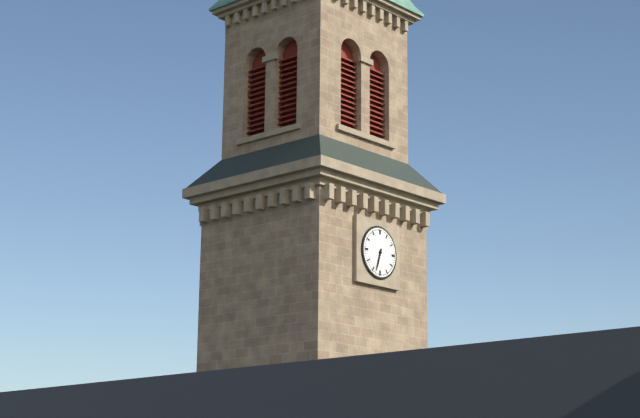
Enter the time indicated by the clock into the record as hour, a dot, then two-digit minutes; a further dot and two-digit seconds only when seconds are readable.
6.33
